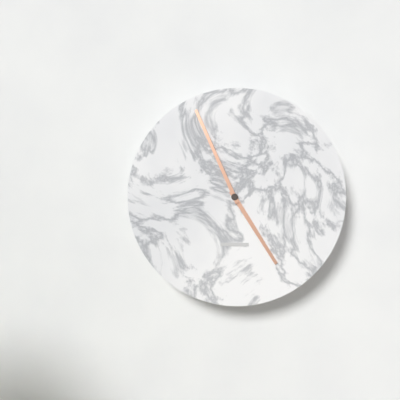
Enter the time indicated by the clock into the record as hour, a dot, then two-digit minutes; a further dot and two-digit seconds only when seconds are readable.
4.56
